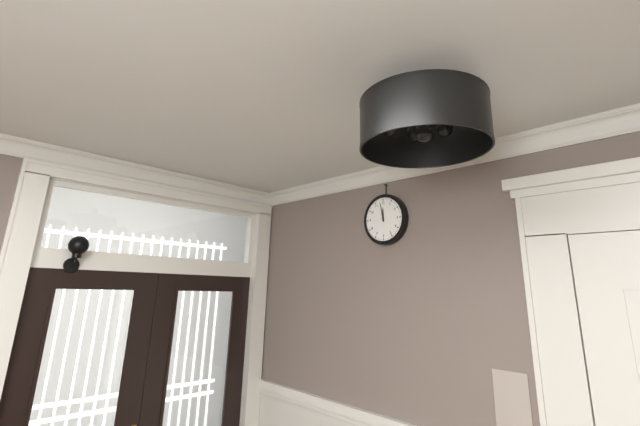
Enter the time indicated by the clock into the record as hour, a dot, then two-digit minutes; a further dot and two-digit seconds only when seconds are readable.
11.58
